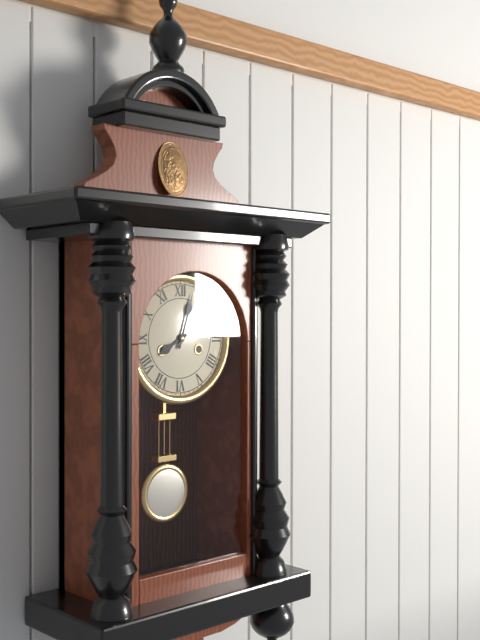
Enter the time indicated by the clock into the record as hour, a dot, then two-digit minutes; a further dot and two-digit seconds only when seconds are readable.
8.03
